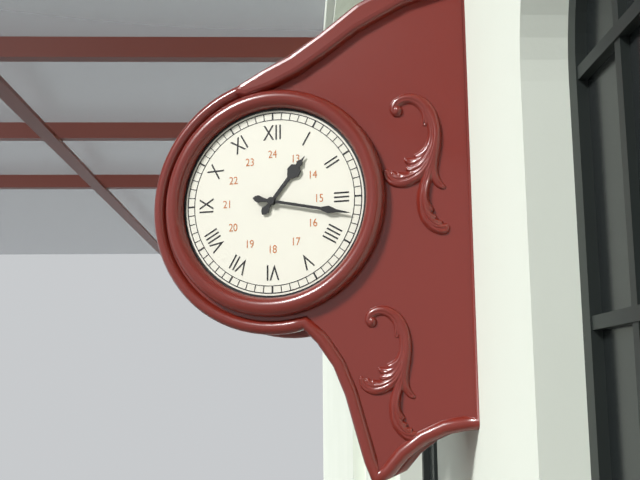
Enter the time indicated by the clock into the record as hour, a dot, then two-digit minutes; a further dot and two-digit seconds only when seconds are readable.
1.17
